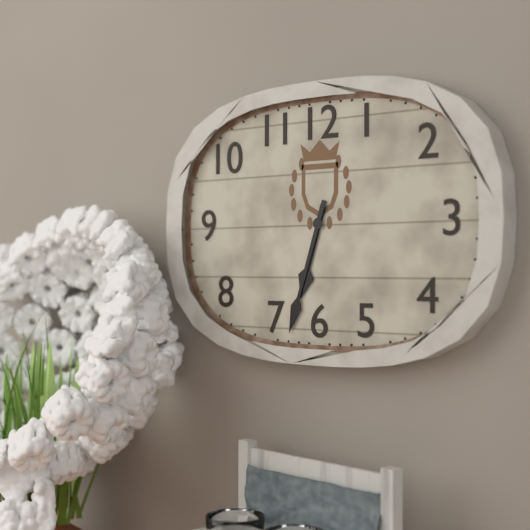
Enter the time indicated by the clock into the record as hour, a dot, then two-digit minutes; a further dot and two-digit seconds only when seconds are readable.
6.33
